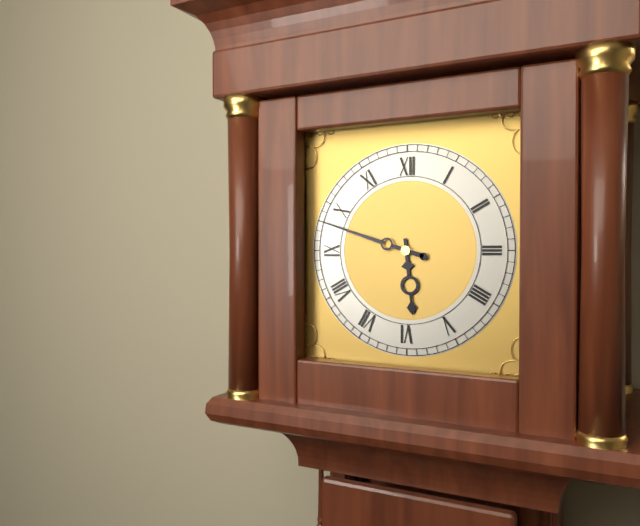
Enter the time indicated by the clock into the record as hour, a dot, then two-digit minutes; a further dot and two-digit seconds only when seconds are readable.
5.48
